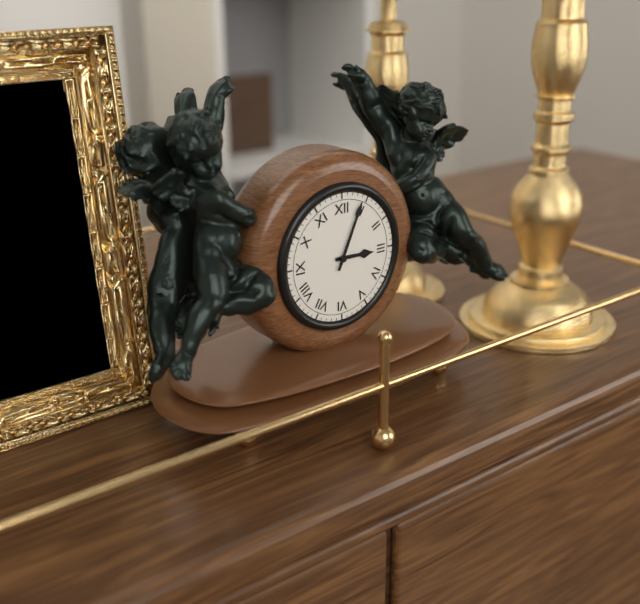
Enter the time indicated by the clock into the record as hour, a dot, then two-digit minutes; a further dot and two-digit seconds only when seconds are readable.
3.04
